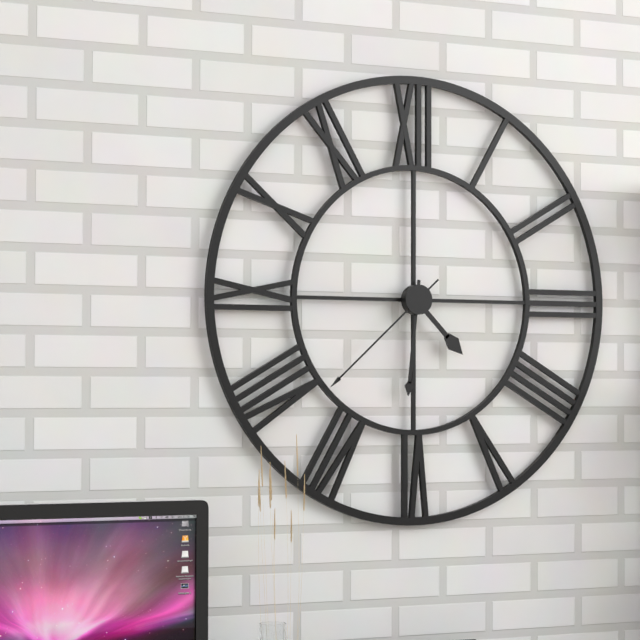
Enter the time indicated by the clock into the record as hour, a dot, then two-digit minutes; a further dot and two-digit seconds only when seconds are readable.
4.31.38
